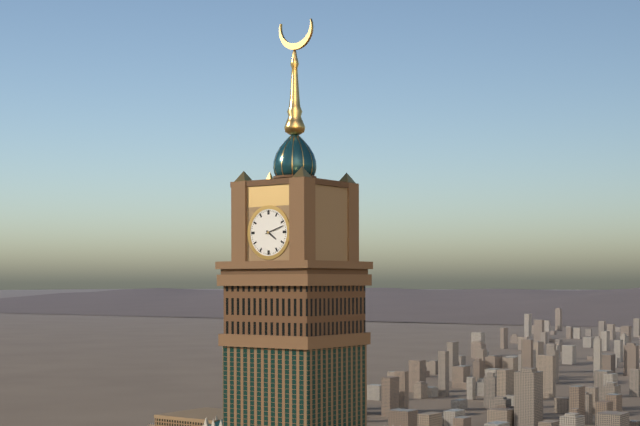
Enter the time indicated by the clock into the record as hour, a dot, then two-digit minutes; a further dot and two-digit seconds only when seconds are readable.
4.12
